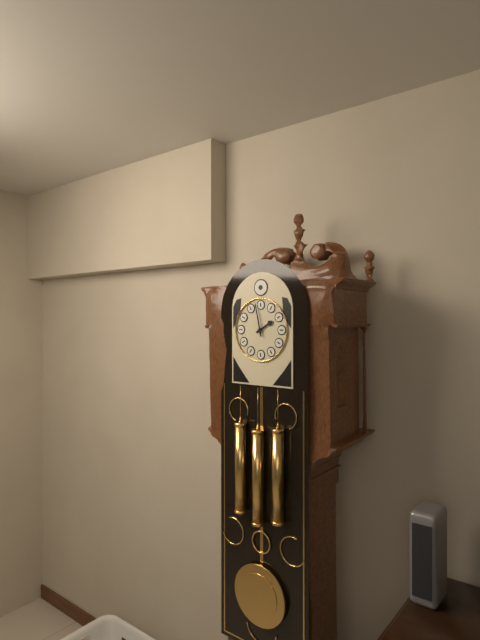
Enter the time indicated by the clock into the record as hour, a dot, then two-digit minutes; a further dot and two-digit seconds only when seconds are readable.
1.58
